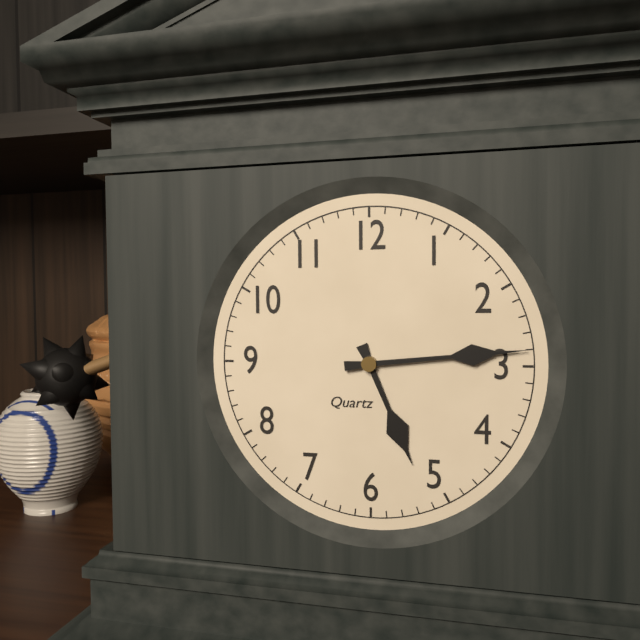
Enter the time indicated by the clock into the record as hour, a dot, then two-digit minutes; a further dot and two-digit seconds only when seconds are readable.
5.14
